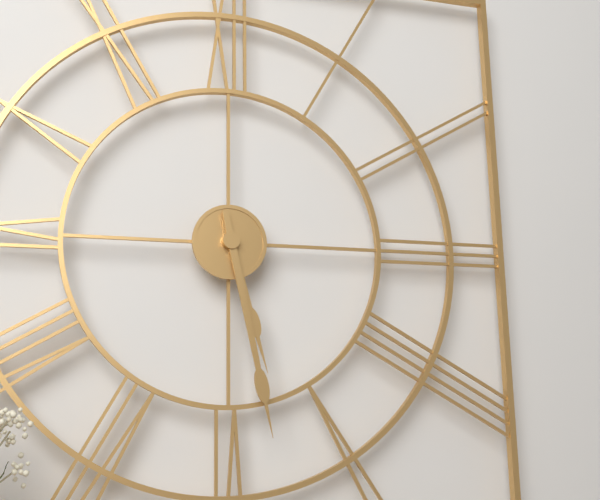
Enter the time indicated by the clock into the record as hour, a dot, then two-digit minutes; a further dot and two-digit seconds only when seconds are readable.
5.28
